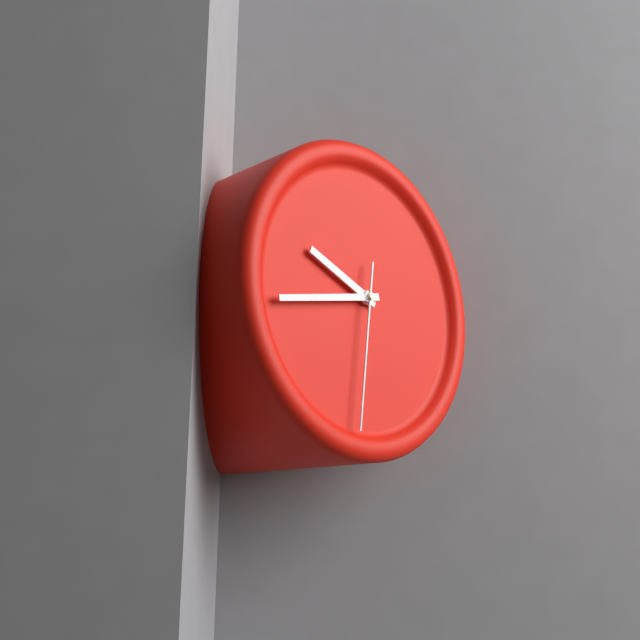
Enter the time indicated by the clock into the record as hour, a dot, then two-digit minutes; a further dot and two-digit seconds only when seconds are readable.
9.43.31
